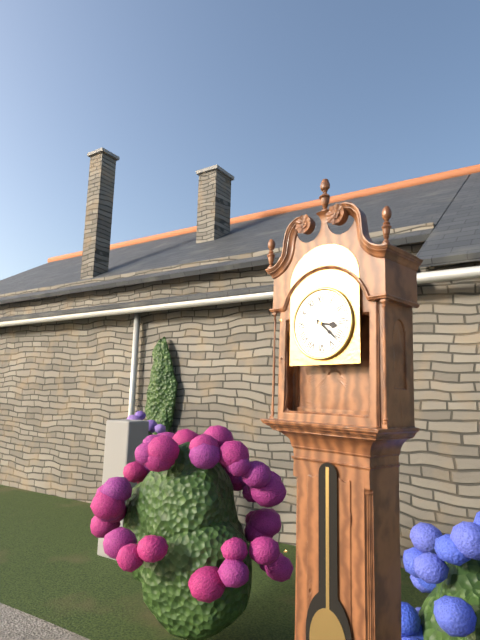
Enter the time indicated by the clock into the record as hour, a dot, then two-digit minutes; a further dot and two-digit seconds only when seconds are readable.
3.22
